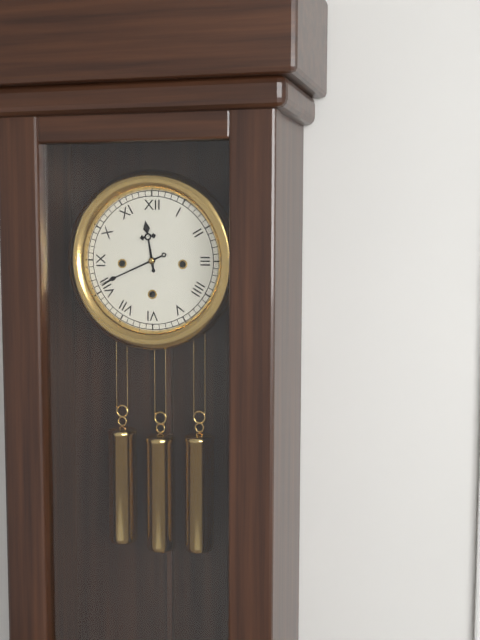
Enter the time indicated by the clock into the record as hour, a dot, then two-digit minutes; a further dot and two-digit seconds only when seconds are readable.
11.41
